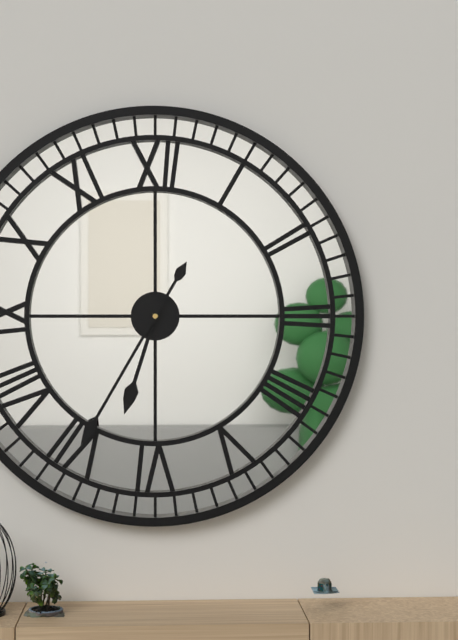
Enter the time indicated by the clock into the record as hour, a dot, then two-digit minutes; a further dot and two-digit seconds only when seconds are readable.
6.35
